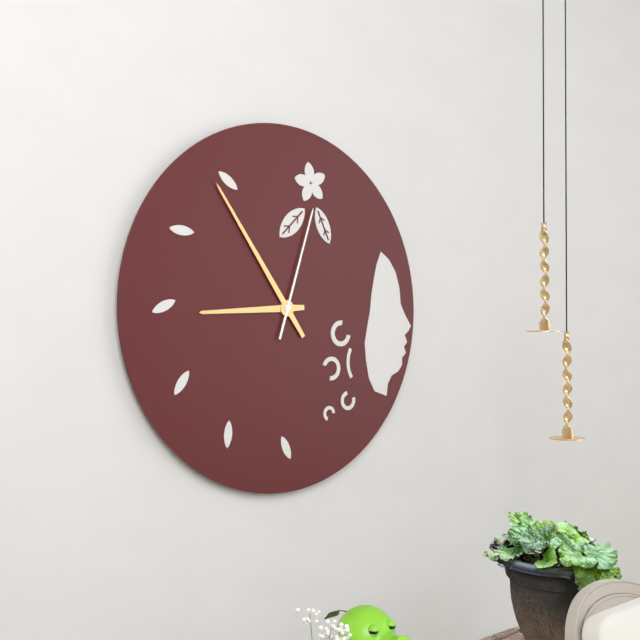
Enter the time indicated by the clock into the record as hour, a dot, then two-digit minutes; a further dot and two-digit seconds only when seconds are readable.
8.54.03
